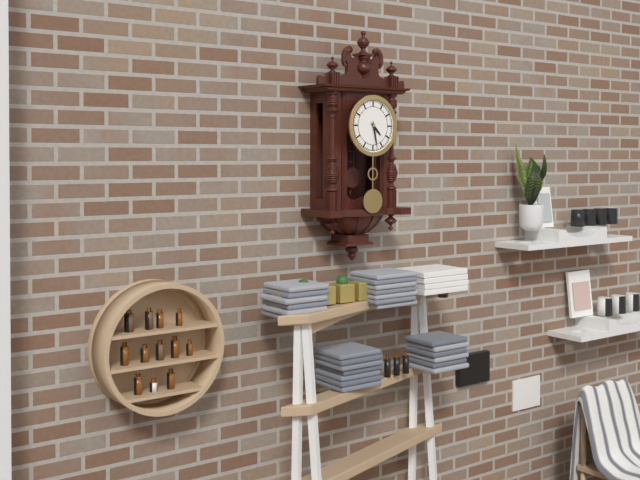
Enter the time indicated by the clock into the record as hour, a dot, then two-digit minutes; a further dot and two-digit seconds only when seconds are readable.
4.28
